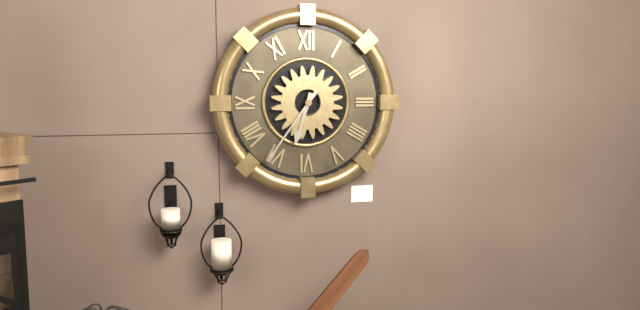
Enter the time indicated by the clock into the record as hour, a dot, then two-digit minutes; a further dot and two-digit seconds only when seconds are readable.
6.36
